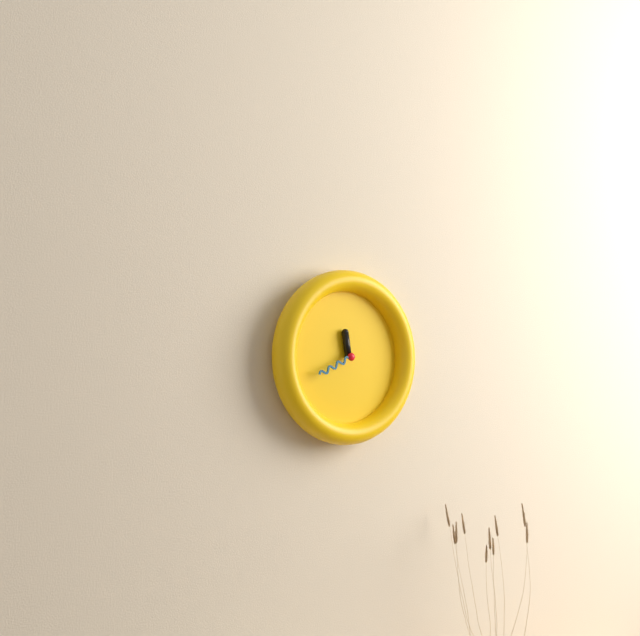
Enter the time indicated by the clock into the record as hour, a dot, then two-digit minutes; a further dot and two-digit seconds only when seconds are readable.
11.41
